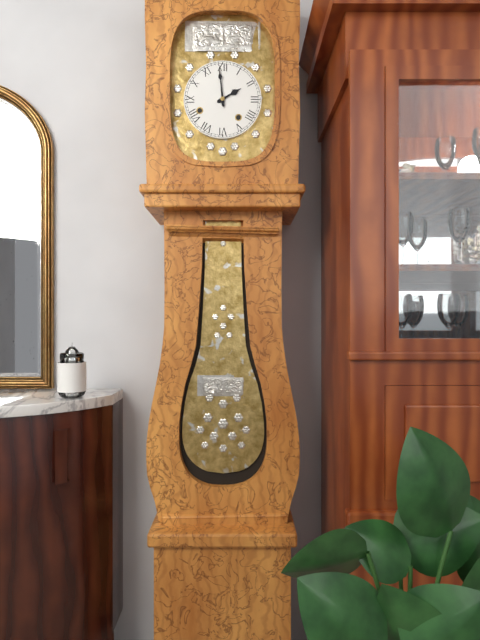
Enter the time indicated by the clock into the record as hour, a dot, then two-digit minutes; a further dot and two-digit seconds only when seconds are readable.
1.59
